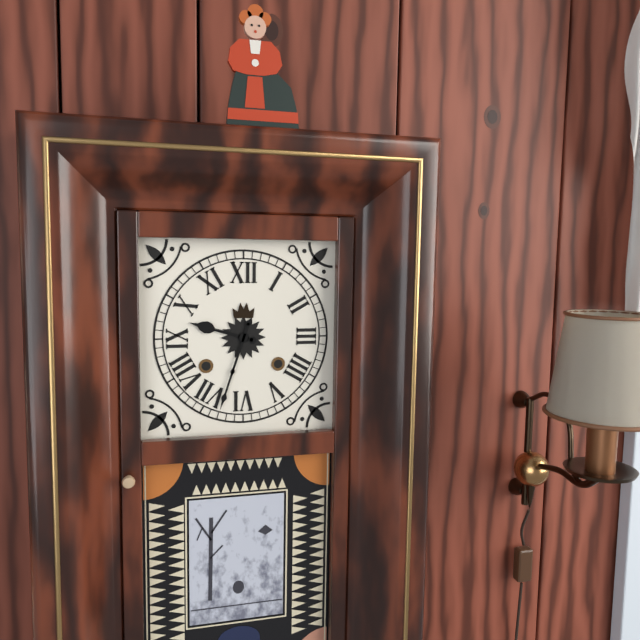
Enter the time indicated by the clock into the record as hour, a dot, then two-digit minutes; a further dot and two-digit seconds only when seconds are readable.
9.33
